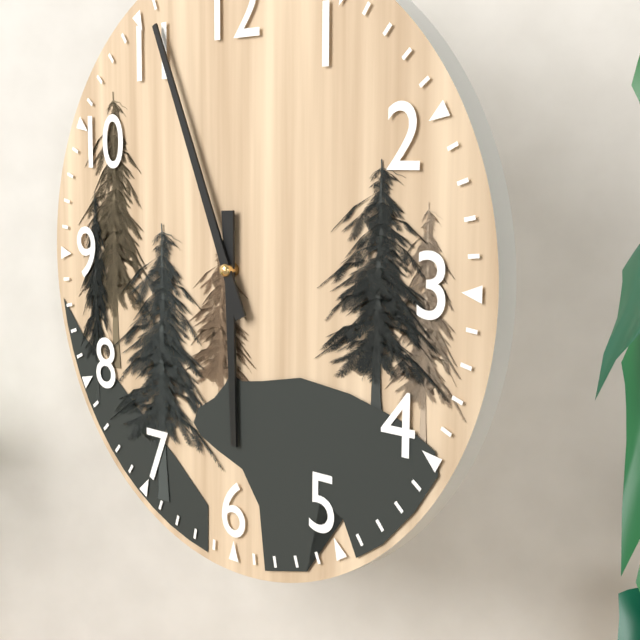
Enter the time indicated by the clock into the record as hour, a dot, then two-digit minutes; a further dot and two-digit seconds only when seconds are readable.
5.56
